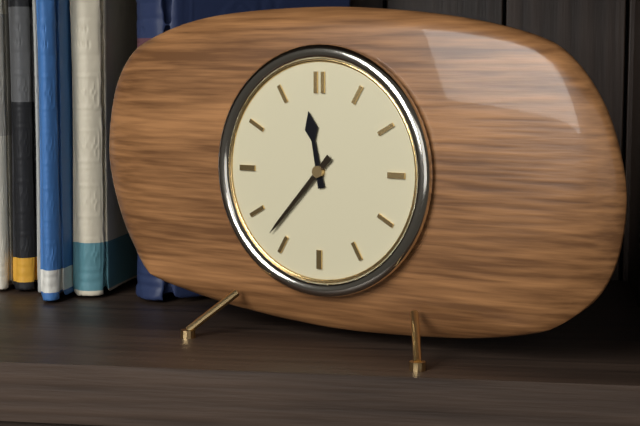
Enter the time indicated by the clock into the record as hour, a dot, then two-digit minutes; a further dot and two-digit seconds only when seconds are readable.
11.37
